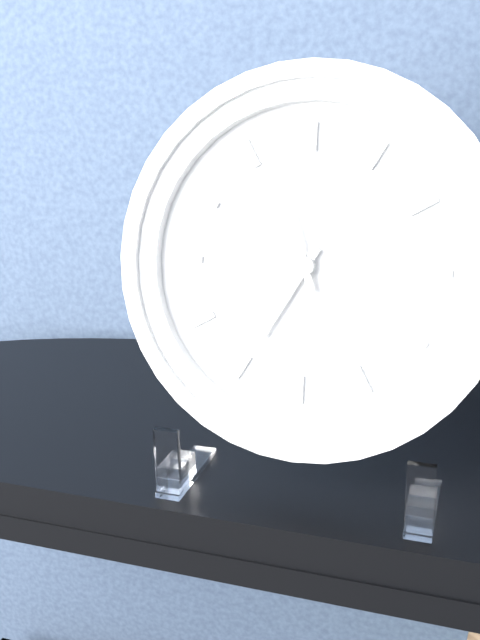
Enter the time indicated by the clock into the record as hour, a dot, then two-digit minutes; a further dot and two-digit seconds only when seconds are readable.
6.57
